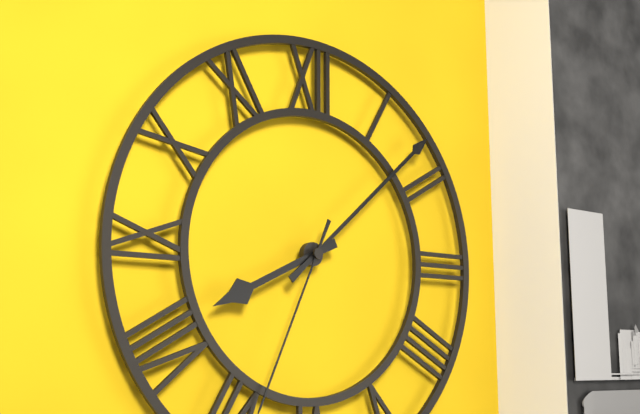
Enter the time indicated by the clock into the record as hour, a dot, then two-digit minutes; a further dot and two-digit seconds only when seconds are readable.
8.08
